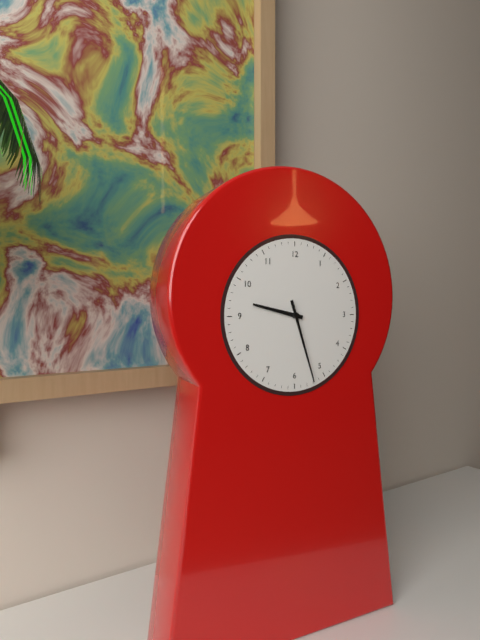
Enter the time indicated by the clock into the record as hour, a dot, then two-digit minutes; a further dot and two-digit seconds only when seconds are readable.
9.27
